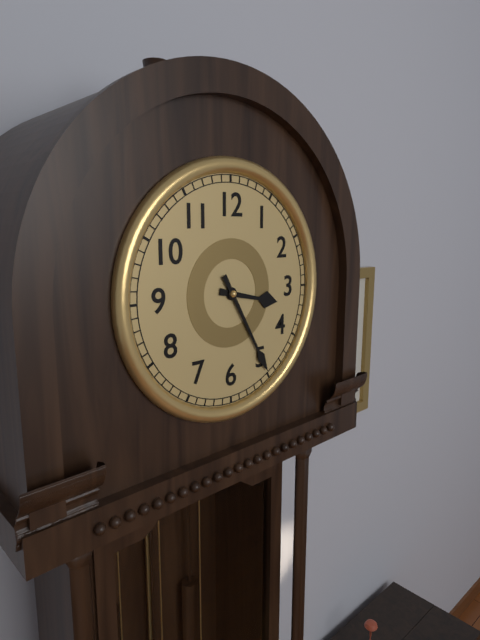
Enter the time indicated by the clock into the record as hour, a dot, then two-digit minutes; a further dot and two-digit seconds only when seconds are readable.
3.25
